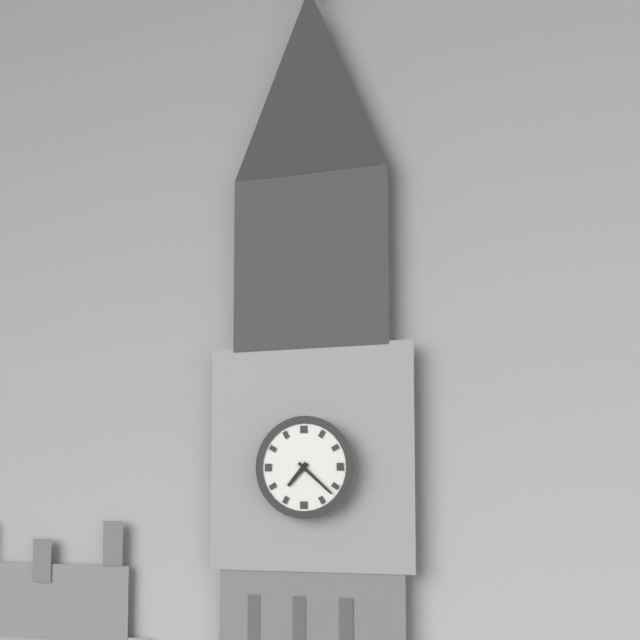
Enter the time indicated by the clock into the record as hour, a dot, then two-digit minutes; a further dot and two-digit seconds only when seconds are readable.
7.22
